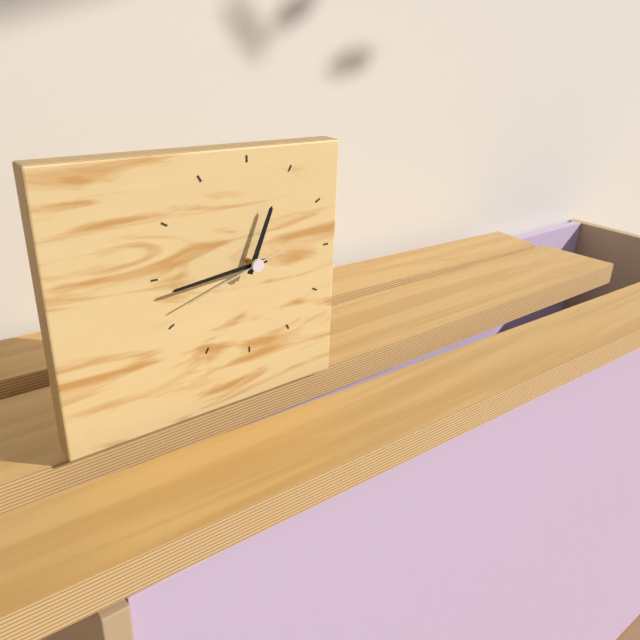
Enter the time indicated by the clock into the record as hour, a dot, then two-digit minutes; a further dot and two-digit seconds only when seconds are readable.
12.44.42
